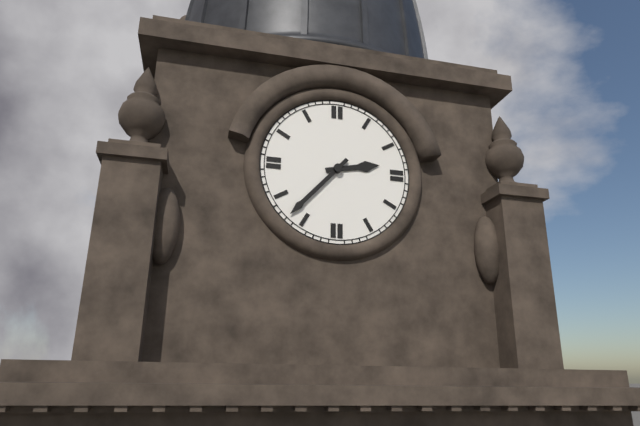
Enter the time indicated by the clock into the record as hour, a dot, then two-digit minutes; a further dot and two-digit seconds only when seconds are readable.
2.37
